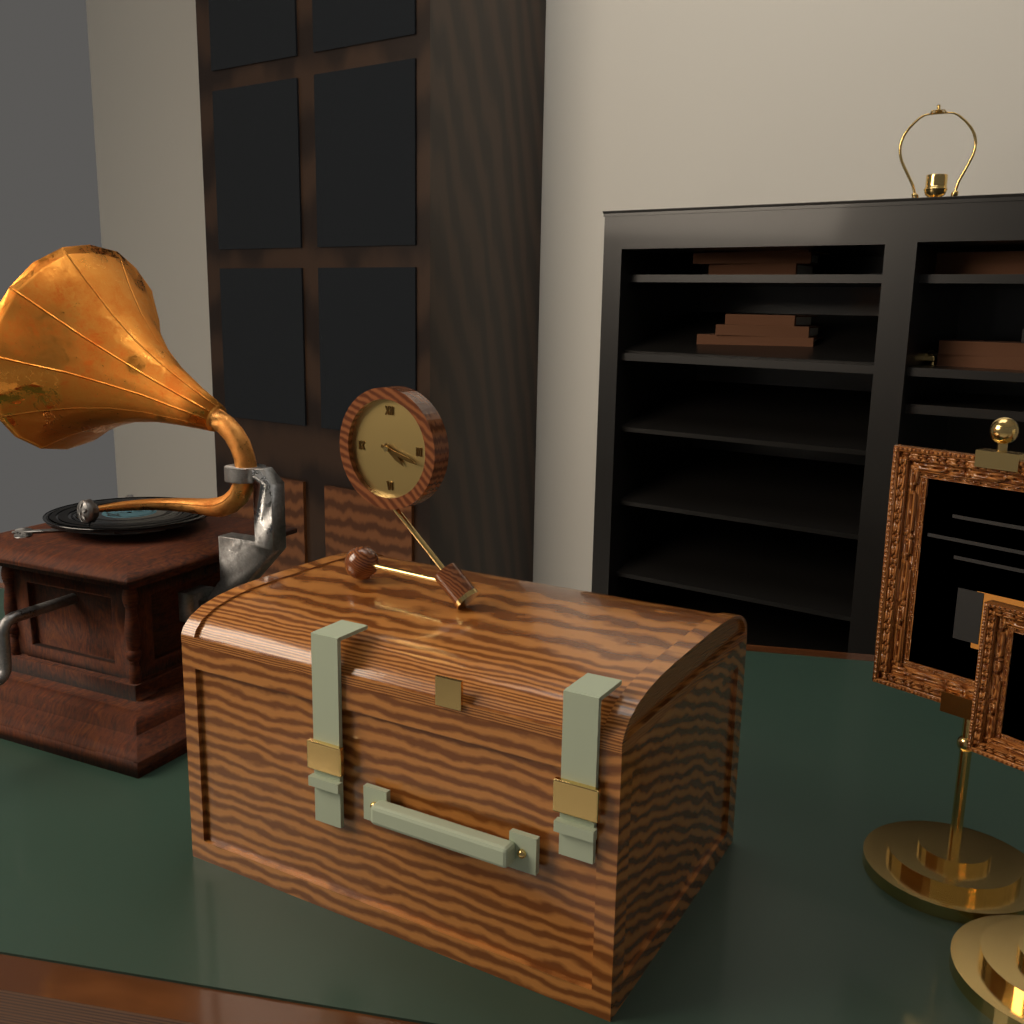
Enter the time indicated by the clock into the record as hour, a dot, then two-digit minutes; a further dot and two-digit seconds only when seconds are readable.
4.18
